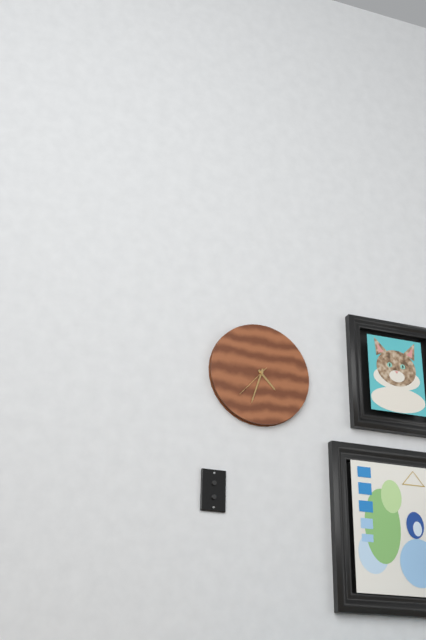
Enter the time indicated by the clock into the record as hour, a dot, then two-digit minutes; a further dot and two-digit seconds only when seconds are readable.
4.33
